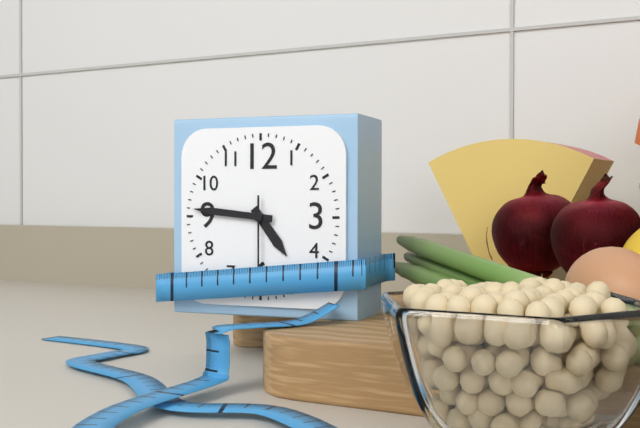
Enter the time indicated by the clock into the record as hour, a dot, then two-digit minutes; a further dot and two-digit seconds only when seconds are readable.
4.46
